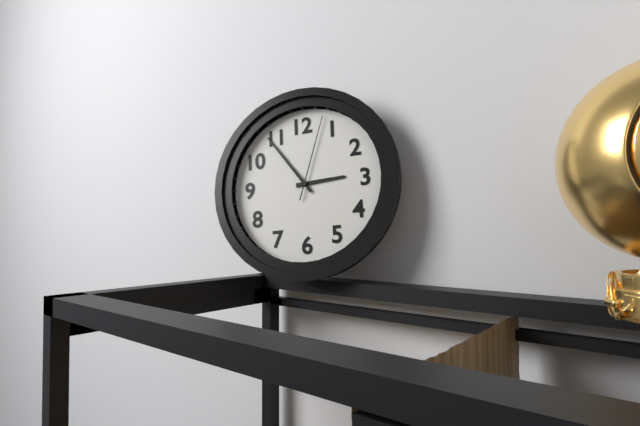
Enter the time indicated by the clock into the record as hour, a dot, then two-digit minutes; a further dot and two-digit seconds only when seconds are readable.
2.54.03
